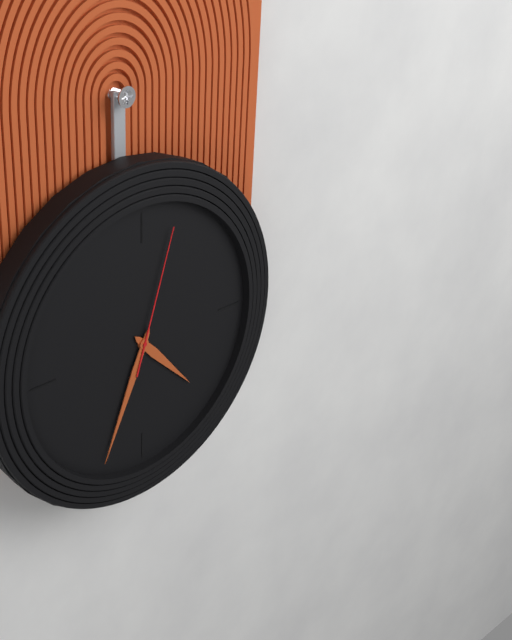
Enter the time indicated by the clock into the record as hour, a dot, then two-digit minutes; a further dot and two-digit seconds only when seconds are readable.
4.34.03
